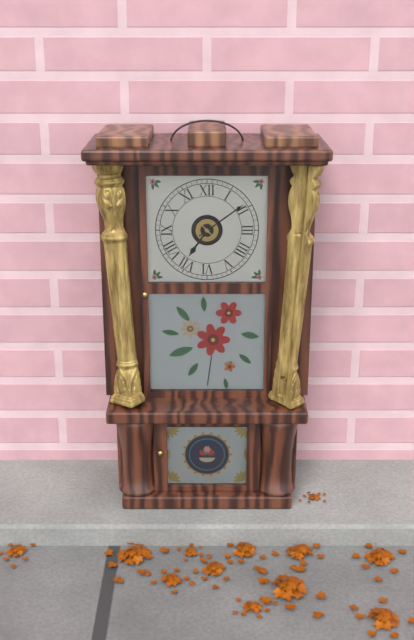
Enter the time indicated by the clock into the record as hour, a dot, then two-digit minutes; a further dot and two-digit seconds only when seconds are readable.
7.09
